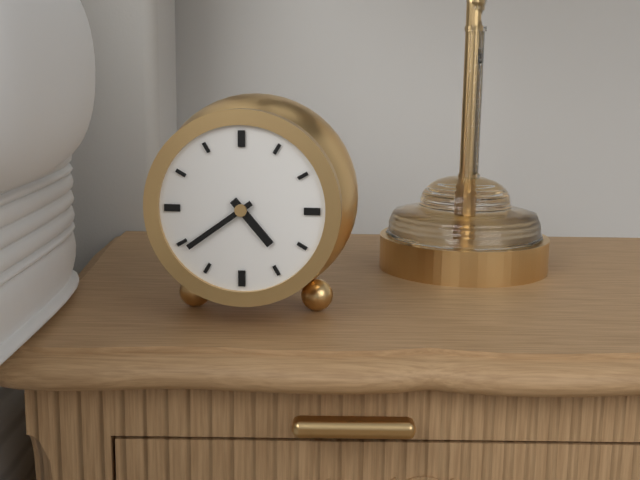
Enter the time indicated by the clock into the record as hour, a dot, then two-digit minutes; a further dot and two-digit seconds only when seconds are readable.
4.39
